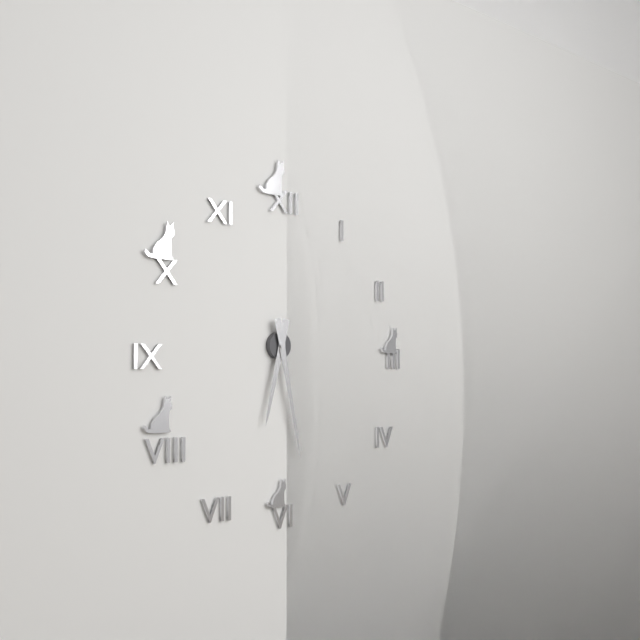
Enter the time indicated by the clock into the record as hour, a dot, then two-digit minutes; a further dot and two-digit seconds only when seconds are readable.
6.28
